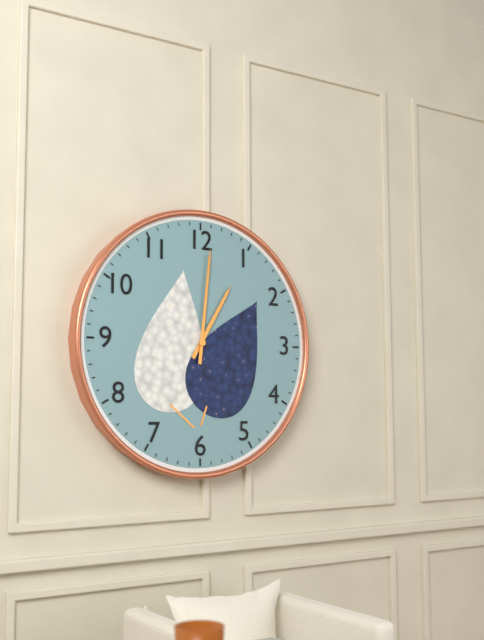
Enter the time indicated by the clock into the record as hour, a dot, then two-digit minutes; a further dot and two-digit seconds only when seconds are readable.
1.01
